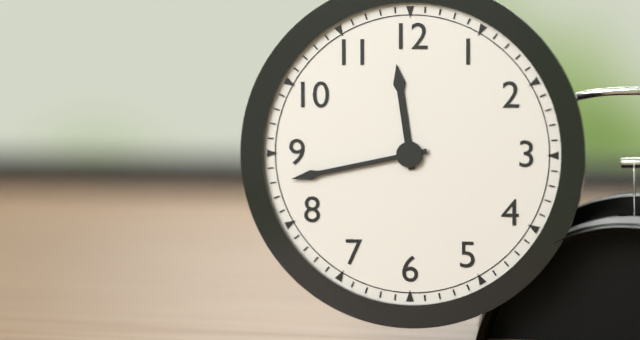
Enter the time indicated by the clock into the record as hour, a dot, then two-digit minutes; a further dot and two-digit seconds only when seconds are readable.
11.43
